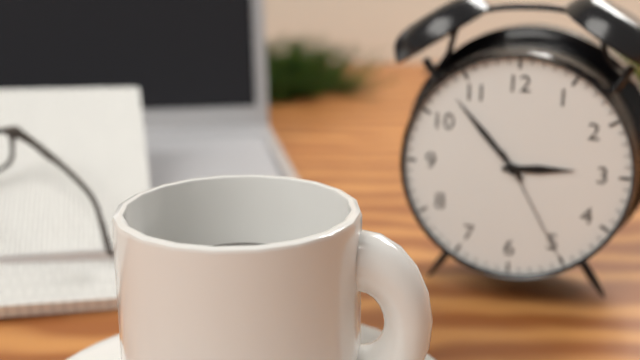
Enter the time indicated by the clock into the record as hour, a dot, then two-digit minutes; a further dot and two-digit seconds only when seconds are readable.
2.53.25
